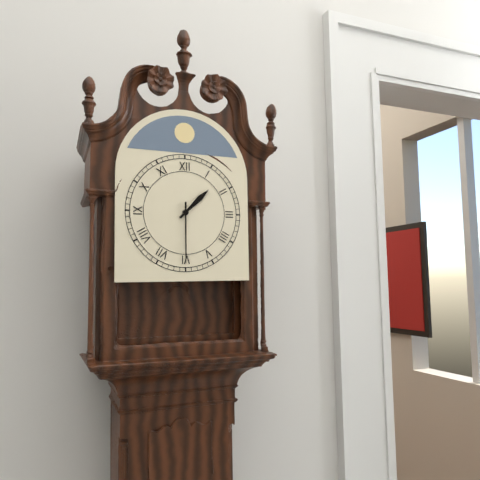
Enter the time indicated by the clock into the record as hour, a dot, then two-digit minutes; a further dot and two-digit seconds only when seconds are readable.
1.30
